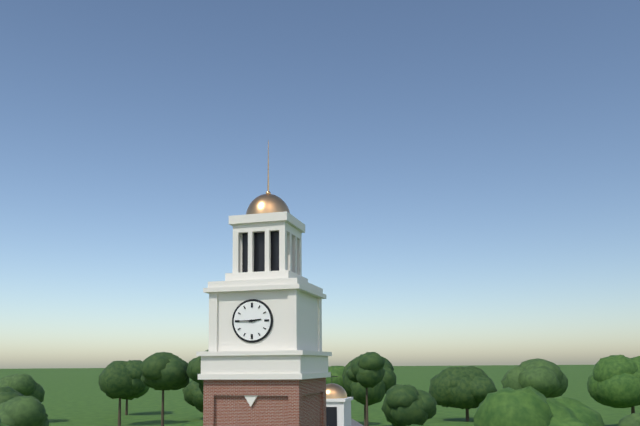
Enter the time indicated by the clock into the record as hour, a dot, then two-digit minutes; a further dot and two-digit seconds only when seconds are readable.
2.45
